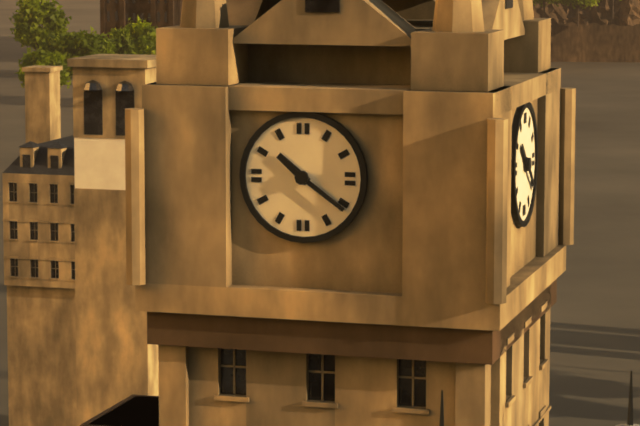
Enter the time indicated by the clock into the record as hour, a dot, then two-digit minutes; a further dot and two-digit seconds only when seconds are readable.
10.21
